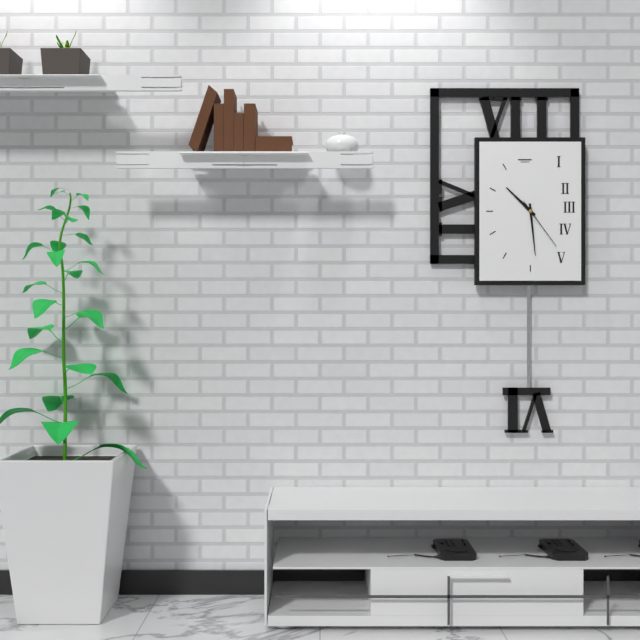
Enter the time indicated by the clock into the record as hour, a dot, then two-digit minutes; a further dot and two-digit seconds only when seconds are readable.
10.29.24
